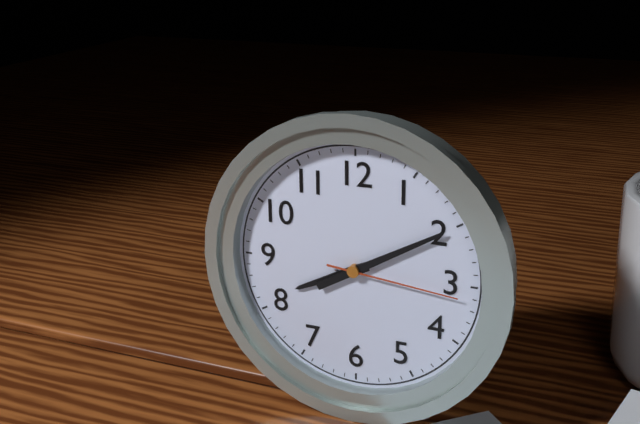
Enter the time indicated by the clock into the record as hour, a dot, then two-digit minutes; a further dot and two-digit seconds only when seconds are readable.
8.10.16
